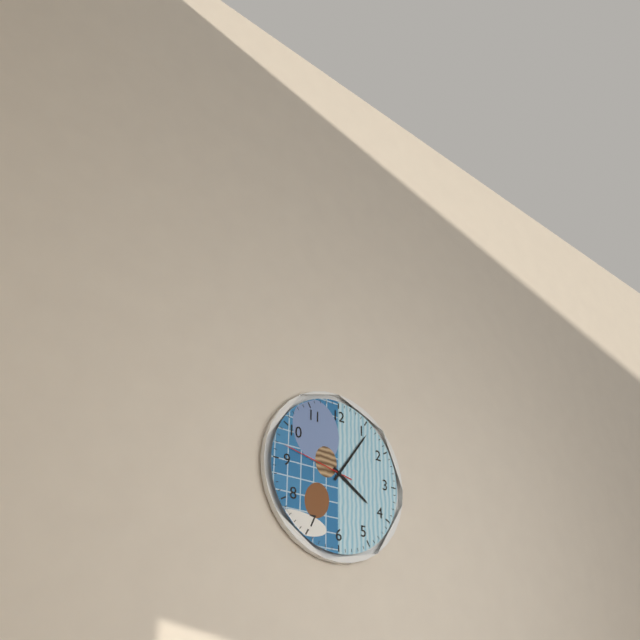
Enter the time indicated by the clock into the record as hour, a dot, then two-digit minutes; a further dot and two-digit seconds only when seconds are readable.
4.06.47
